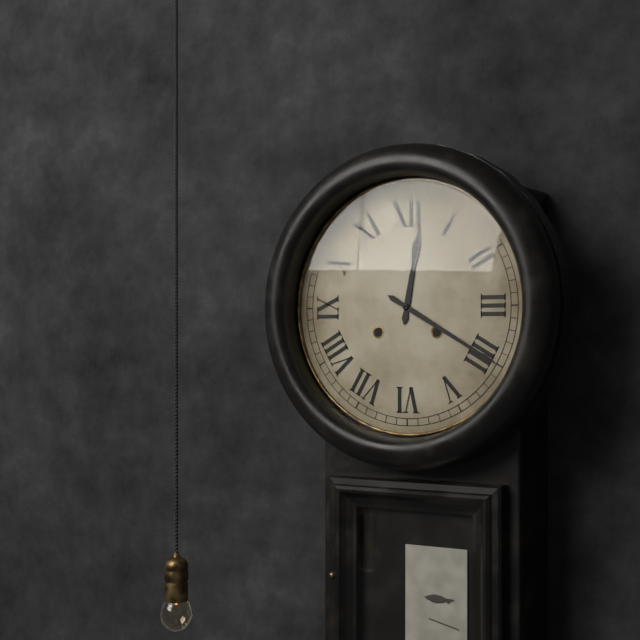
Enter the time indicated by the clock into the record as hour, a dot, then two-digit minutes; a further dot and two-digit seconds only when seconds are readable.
12.20
